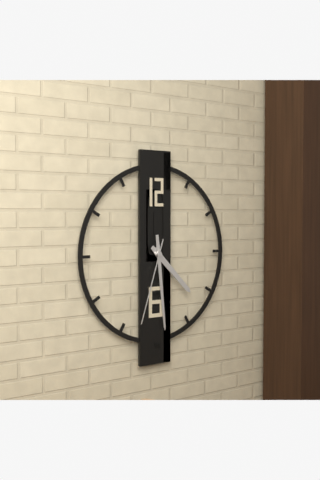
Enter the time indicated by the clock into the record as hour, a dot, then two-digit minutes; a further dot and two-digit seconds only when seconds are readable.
4.29.33
